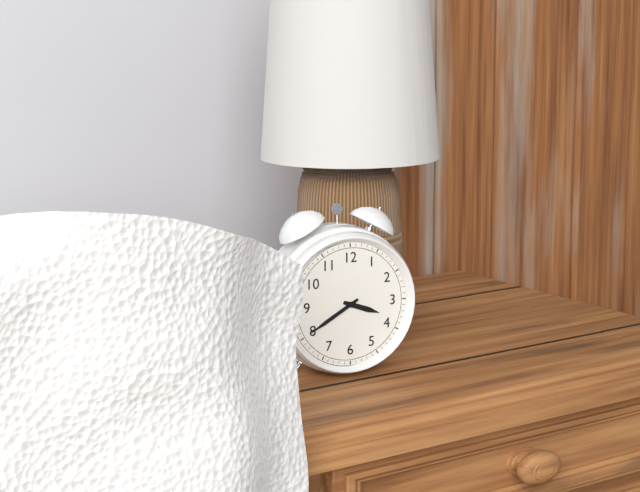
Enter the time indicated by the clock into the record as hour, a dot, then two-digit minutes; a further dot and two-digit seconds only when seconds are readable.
3.40
